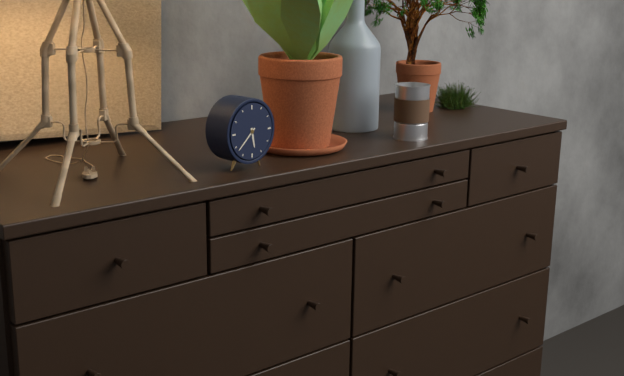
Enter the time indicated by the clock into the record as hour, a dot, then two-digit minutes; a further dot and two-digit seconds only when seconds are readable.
5.38
